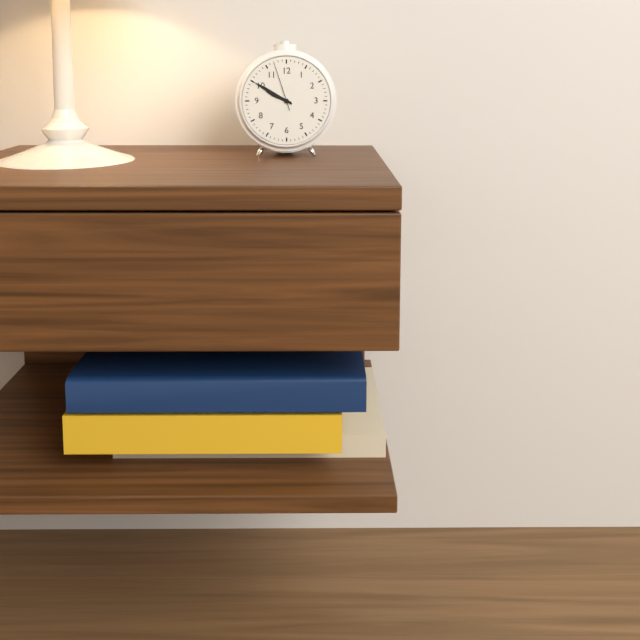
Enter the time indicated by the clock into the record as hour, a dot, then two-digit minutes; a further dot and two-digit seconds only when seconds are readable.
9.50.57
